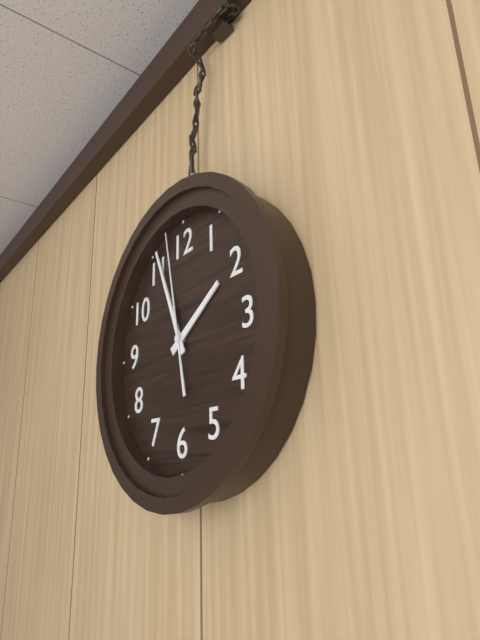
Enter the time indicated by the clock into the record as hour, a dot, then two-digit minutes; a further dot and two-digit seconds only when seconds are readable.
1.56.58
